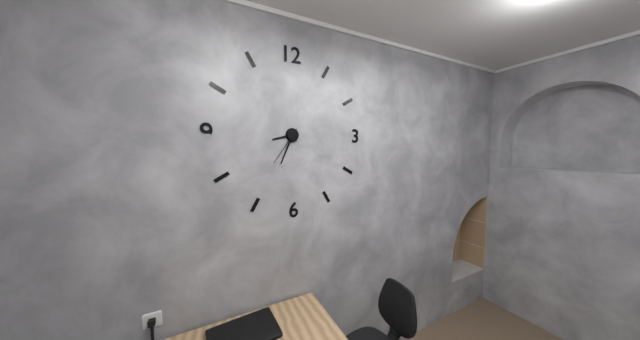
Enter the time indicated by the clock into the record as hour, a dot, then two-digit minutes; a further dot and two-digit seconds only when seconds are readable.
8.34
